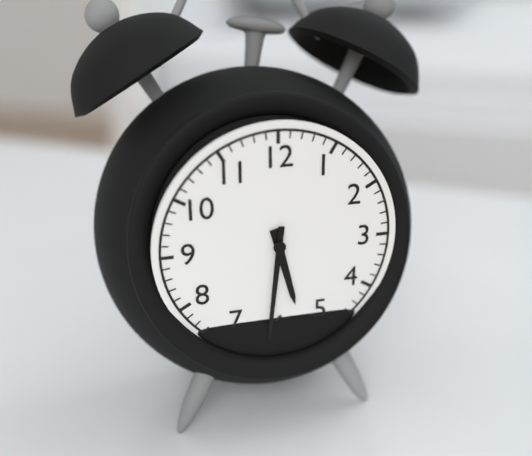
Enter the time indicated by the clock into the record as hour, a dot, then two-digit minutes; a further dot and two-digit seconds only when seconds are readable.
5.31
